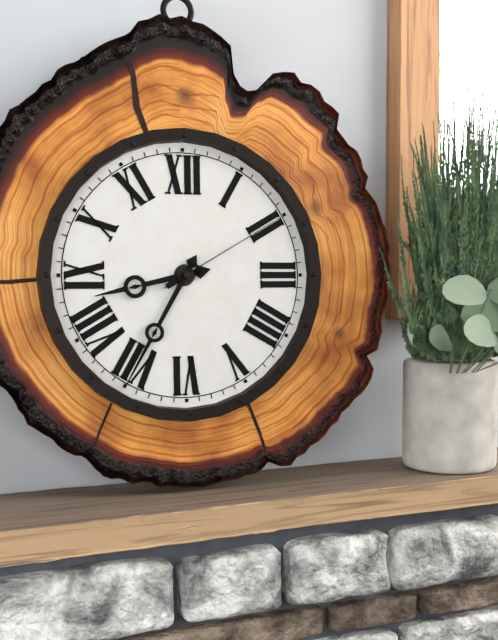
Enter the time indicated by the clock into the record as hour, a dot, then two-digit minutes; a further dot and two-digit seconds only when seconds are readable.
8.35.10
